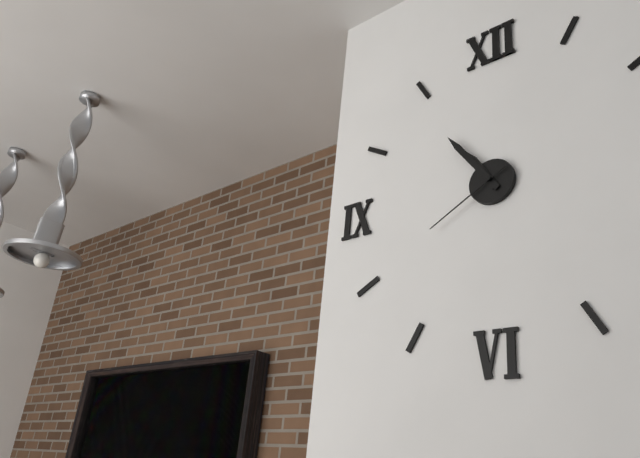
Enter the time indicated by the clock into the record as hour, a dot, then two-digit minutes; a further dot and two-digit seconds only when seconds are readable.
10.54.40
